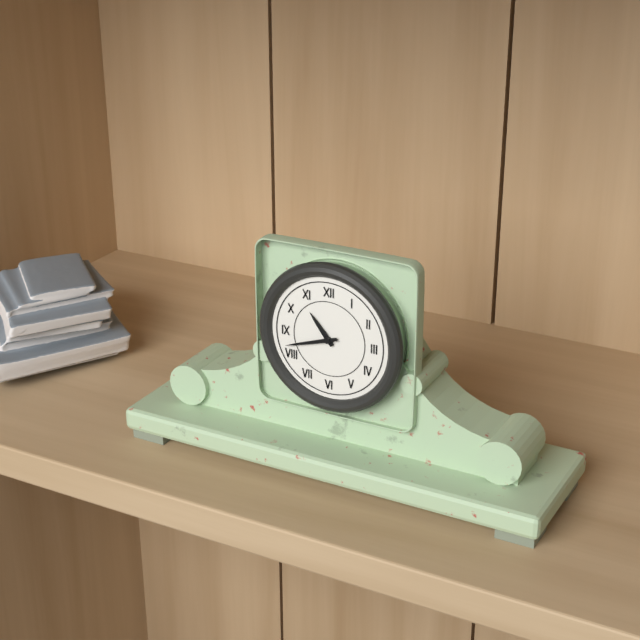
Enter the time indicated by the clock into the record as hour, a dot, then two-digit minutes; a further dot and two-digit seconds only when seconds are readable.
10.42
